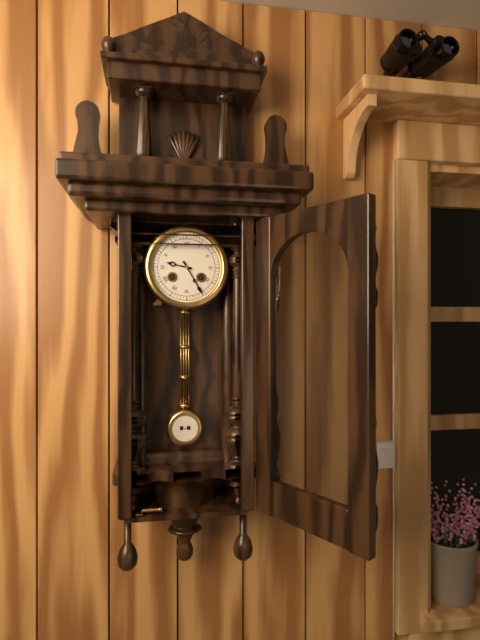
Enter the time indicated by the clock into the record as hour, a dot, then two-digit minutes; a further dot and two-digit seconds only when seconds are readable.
9.25
